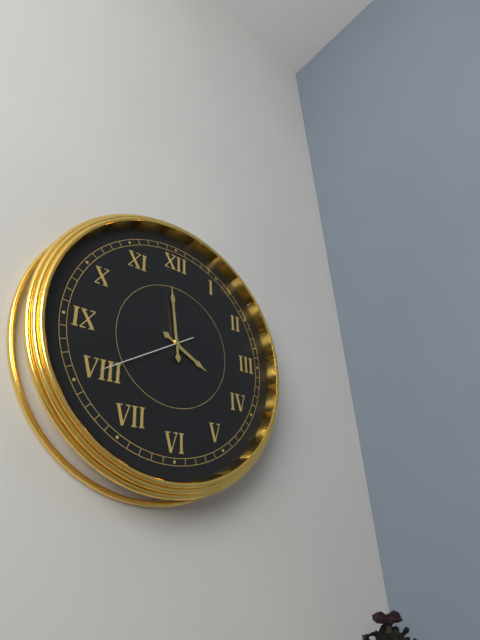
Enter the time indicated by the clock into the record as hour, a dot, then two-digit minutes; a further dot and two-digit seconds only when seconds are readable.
3.59.40
